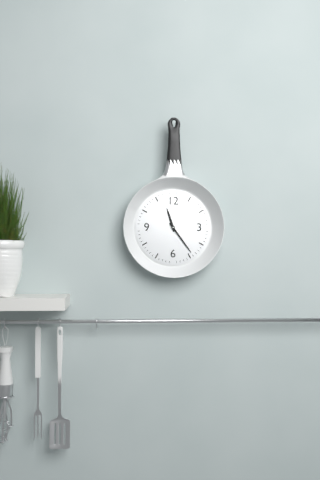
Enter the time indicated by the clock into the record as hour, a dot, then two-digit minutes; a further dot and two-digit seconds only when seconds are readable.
11.24
